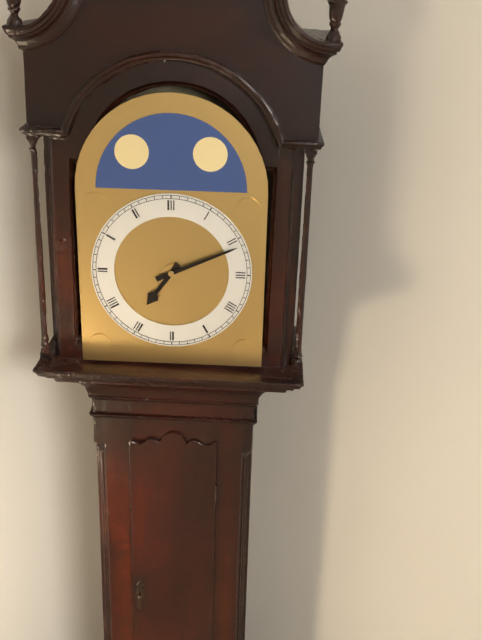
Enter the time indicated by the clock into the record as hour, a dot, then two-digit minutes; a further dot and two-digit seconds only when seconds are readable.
7.11
